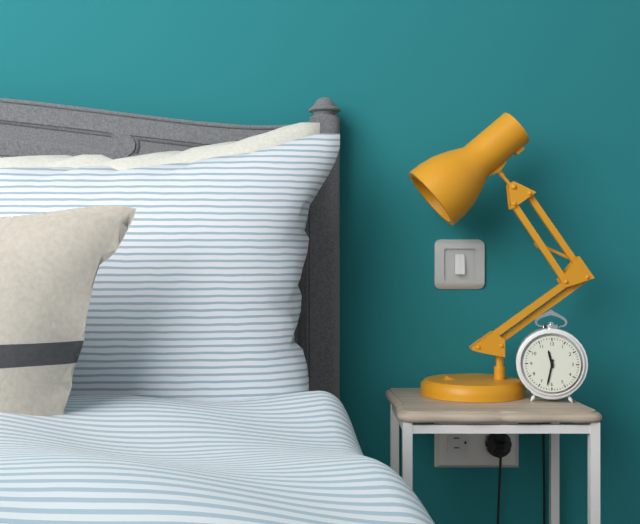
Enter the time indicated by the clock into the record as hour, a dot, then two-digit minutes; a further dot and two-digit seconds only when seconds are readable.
11.32
